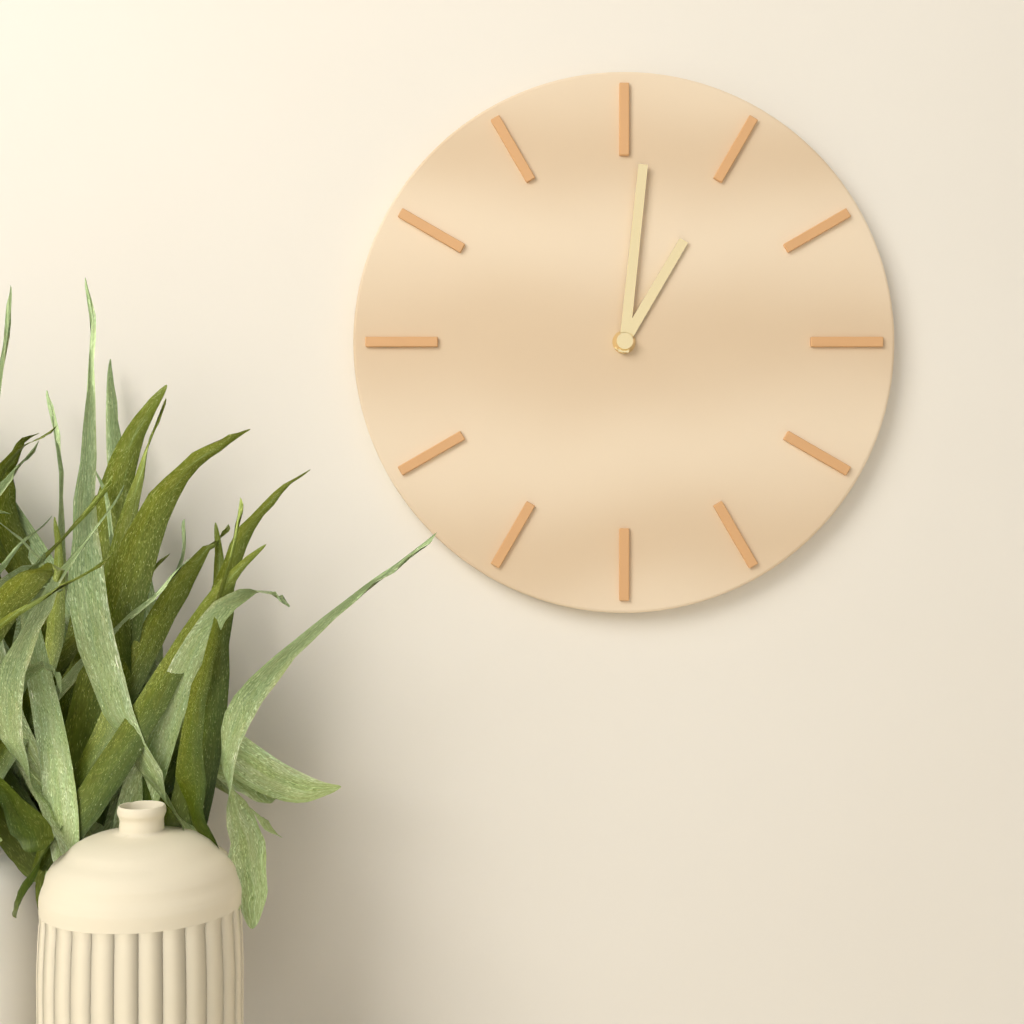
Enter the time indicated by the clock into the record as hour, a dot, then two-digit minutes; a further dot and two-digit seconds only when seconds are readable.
1.01
